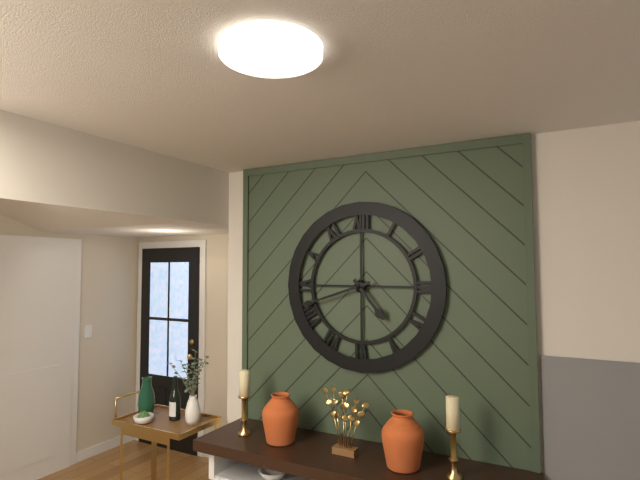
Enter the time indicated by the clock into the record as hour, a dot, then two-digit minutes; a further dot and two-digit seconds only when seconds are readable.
4.42
